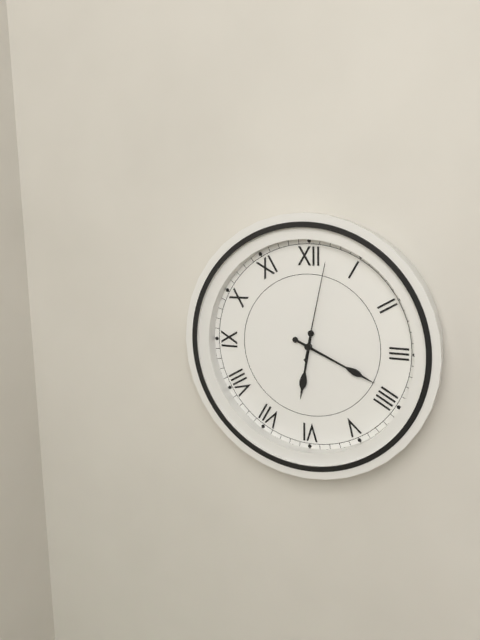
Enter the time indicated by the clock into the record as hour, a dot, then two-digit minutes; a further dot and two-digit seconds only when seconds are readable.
6.19.02
